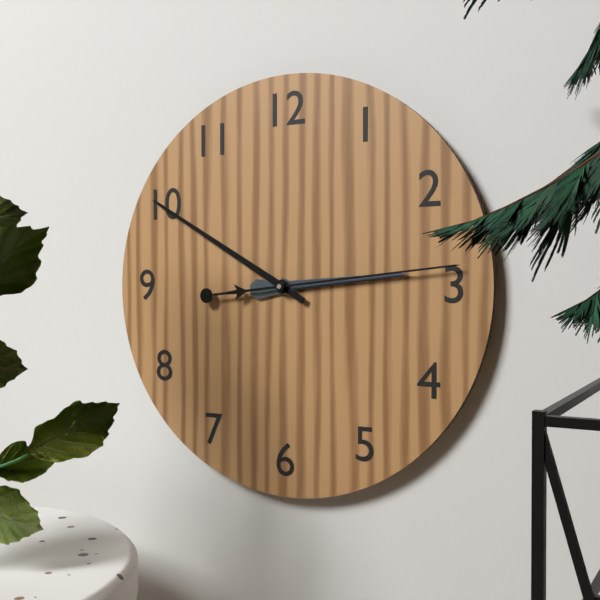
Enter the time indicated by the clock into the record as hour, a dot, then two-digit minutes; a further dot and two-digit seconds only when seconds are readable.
2.50.14
